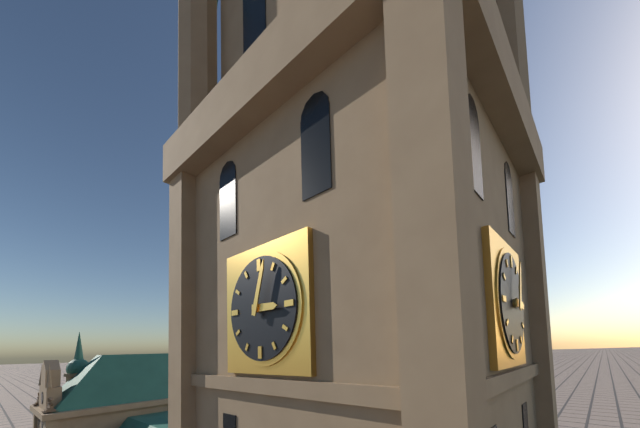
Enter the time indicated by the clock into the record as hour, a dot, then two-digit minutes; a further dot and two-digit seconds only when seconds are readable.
3.03
